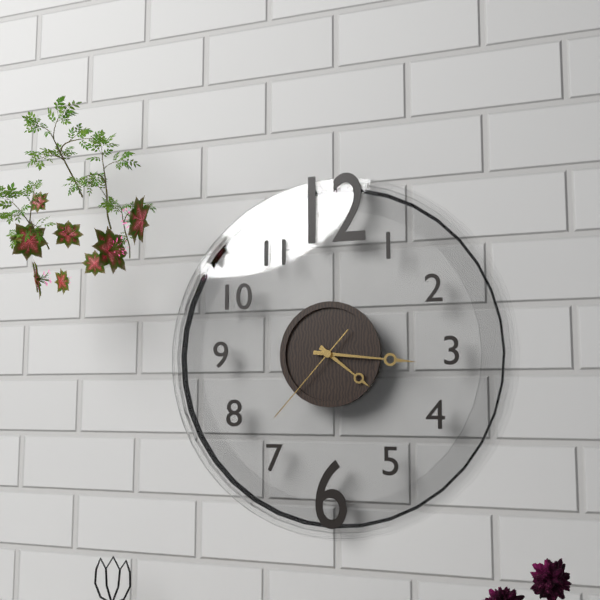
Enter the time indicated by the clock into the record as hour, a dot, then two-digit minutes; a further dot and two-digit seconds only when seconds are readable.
4.16.37
